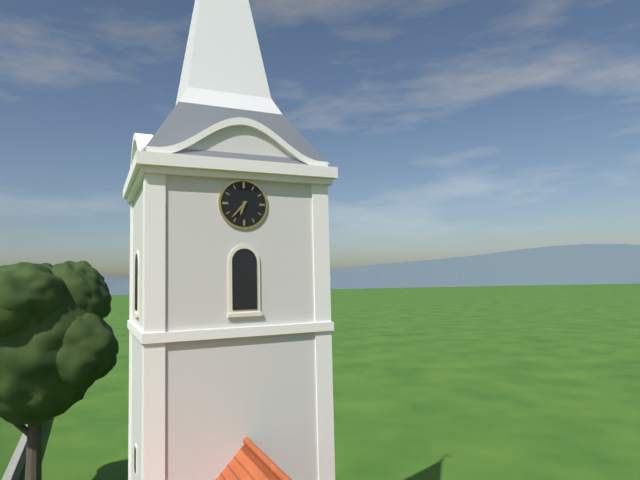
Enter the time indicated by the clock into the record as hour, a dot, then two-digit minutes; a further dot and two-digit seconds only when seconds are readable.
6.37
